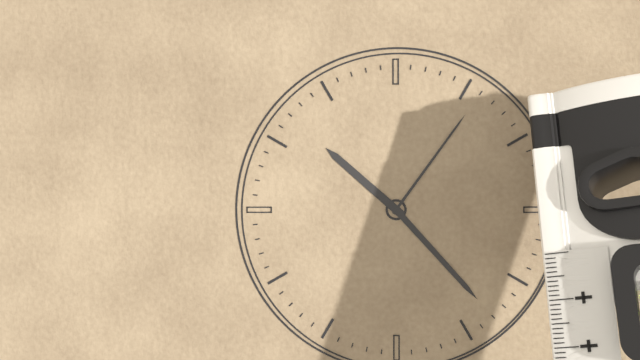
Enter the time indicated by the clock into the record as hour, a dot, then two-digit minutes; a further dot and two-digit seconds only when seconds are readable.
10.23.06
